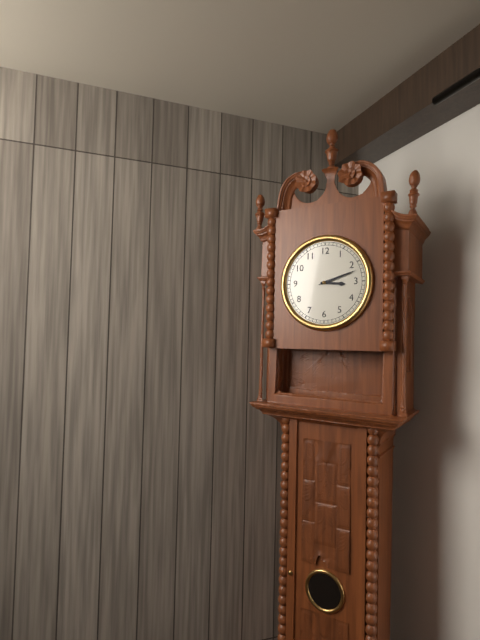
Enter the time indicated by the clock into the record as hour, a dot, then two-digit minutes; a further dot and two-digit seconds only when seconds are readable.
3.12
